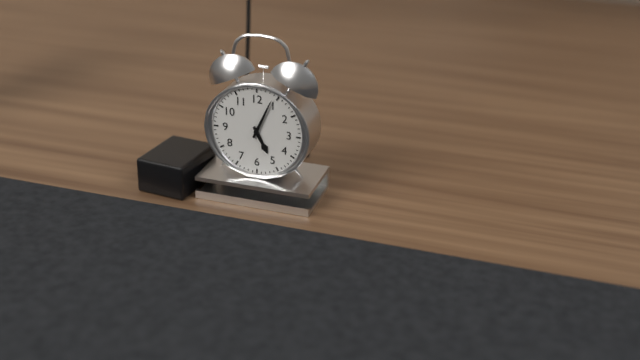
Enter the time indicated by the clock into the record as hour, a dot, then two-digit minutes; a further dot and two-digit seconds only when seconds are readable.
5.04
